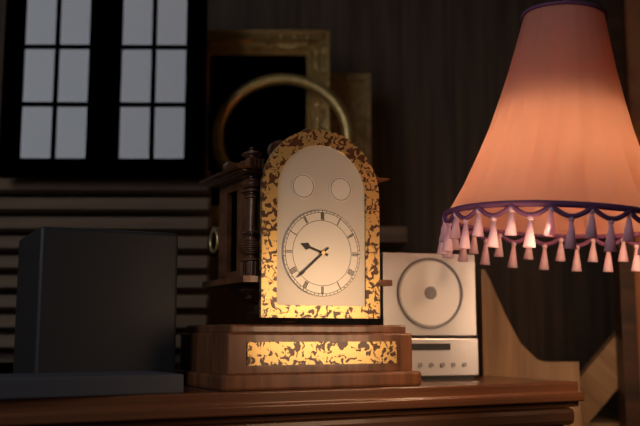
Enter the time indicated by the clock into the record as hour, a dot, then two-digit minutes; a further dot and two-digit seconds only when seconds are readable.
9.38
